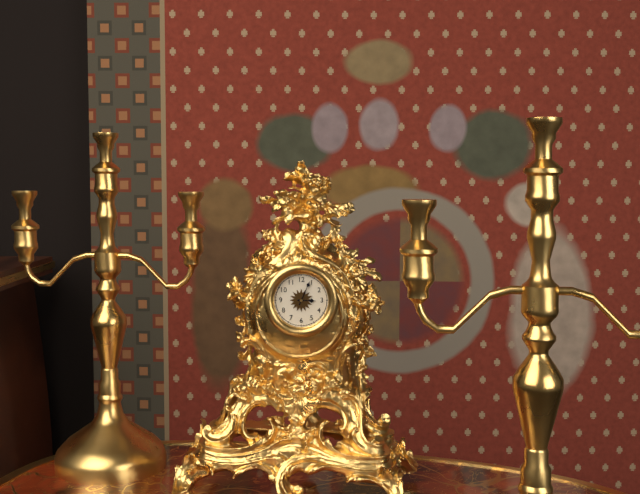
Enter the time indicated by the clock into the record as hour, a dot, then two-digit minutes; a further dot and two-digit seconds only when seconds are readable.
3.04
